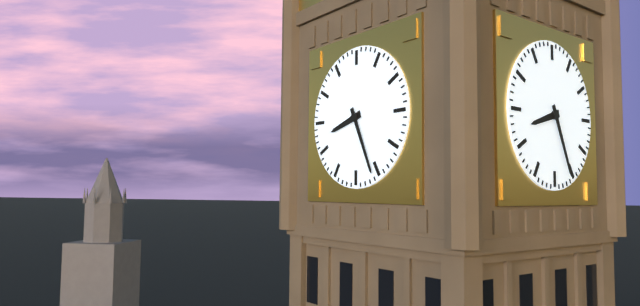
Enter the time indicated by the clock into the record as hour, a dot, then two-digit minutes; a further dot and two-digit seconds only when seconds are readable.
8.26
